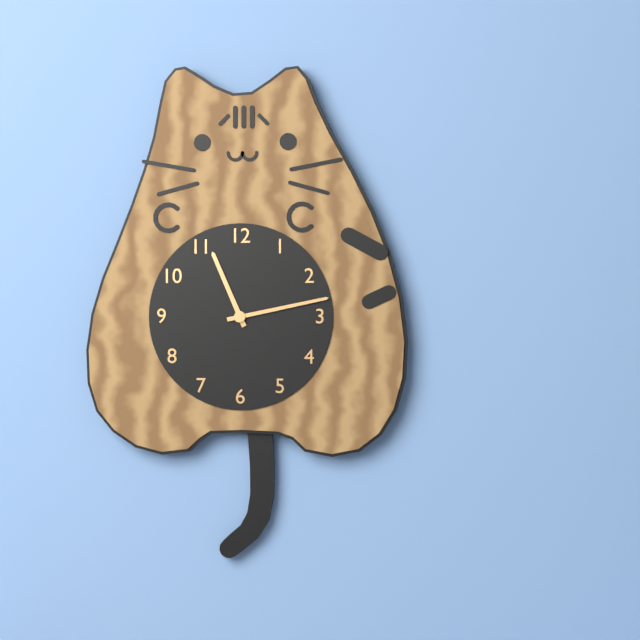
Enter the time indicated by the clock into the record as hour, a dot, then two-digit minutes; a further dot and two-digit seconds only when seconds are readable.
11.13
